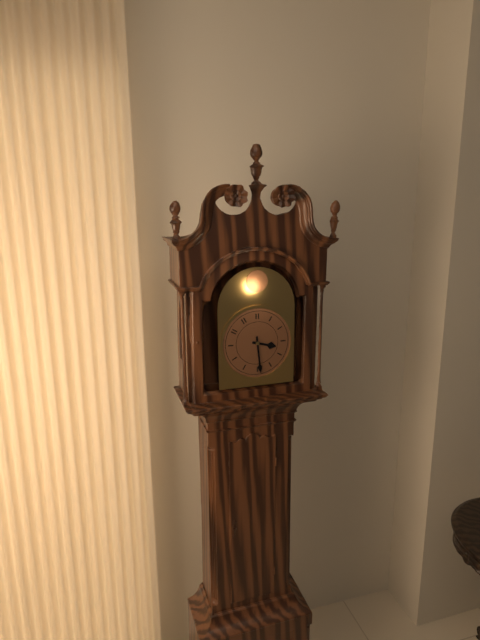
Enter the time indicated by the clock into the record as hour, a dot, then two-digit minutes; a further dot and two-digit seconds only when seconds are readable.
3.29
